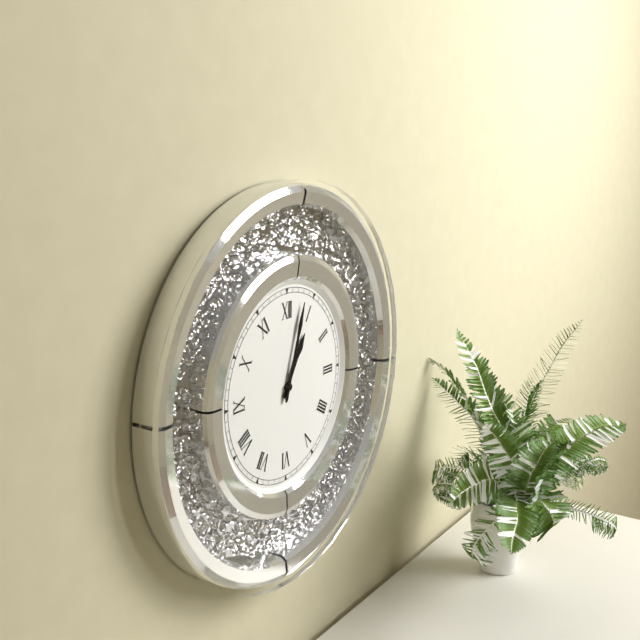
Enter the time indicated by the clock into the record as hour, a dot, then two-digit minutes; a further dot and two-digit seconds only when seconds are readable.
1.03
